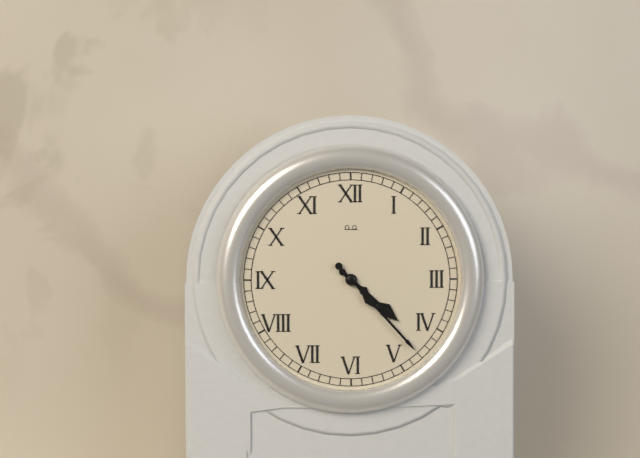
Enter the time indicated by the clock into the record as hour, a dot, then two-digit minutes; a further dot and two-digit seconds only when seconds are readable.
4.23
